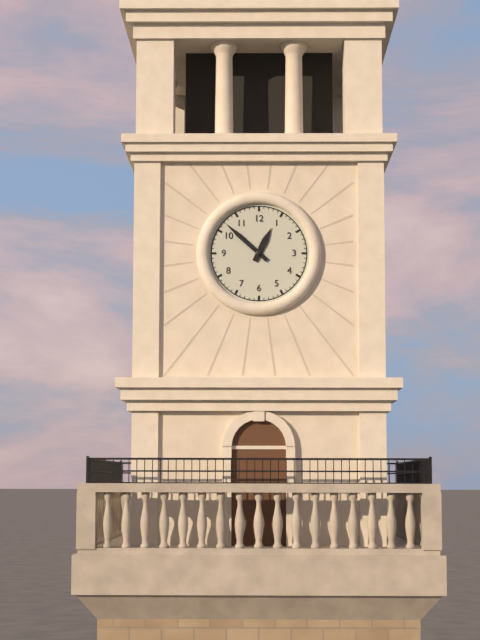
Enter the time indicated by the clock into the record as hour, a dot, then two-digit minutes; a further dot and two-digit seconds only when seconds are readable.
12.52
